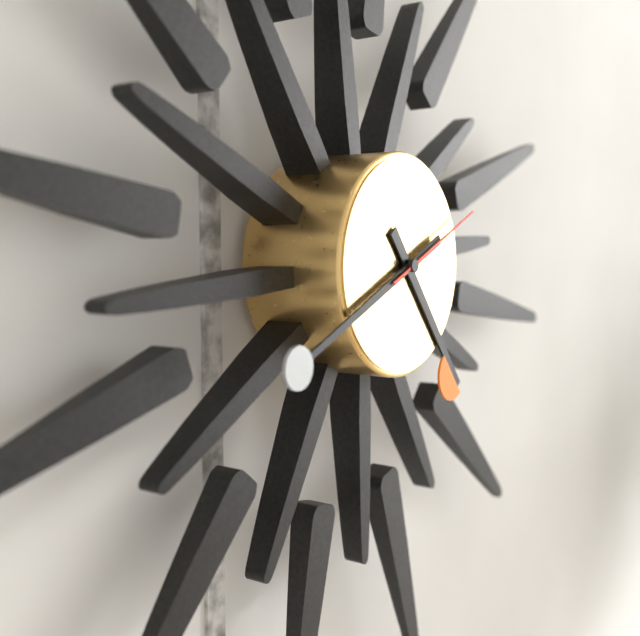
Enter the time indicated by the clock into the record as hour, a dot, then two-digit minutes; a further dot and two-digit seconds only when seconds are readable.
4.41.11
